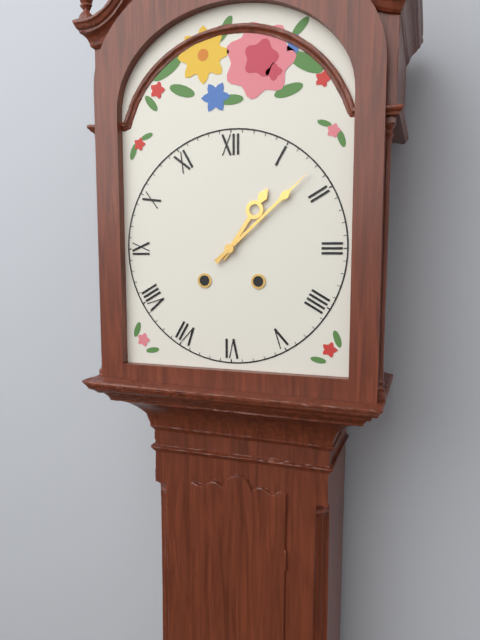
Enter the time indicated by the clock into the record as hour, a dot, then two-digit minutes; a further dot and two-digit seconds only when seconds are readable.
1.08
